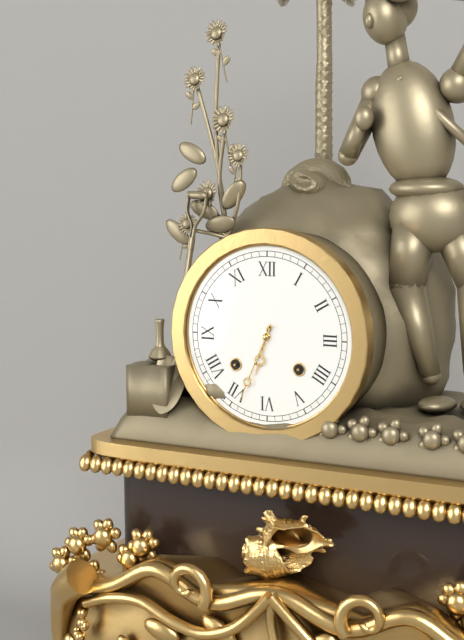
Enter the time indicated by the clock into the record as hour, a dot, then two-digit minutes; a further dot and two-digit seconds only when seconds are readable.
6.34
